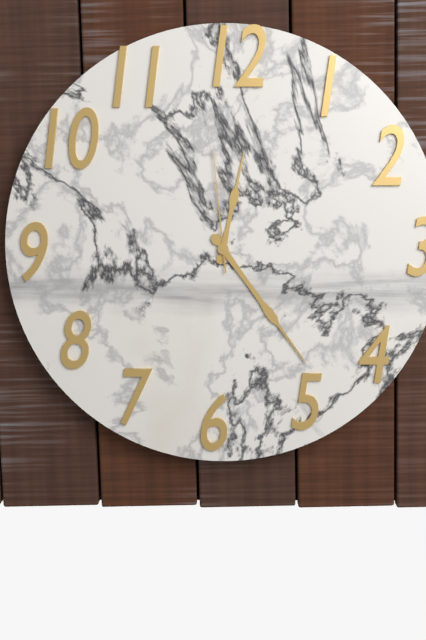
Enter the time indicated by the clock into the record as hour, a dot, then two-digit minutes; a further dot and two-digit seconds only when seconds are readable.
12.24.59
